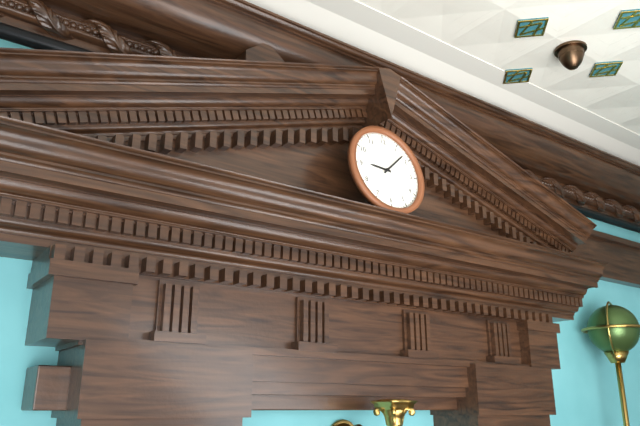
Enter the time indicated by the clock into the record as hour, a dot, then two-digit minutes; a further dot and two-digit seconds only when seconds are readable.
9.08
